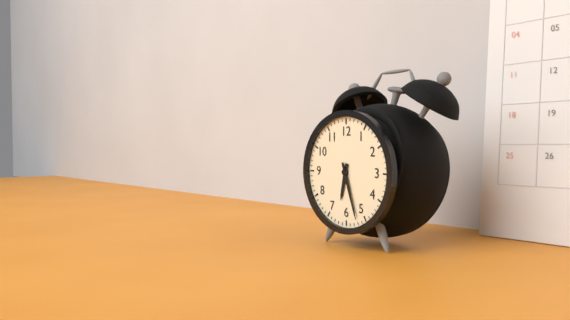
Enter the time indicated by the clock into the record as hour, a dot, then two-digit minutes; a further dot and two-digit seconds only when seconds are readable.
6.27
